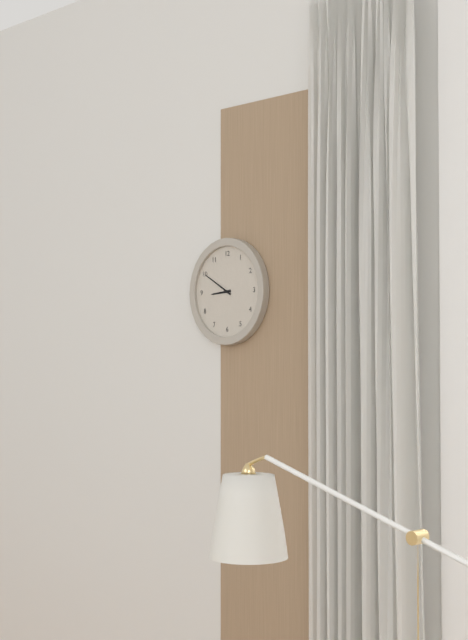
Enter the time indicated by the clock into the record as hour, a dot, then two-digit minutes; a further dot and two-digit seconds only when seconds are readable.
8.50
